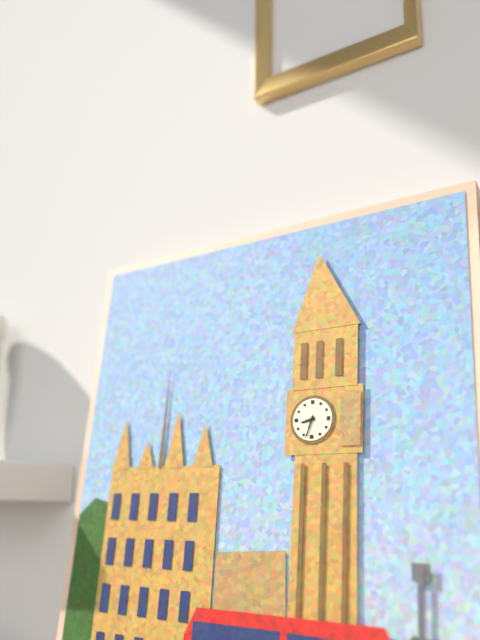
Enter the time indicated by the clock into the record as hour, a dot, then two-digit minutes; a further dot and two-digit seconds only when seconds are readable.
8.33
